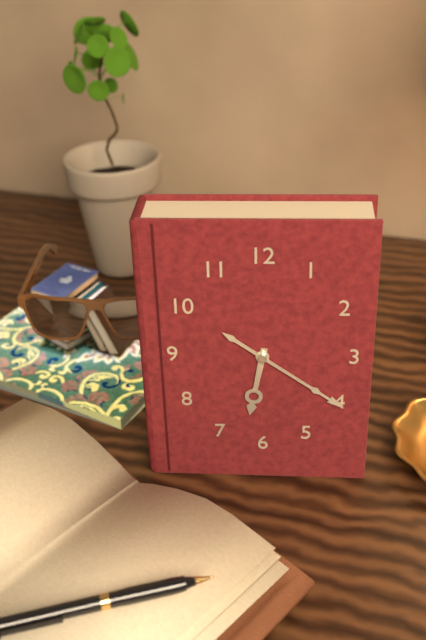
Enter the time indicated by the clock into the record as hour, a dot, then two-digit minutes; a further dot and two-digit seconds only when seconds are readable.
6.21
